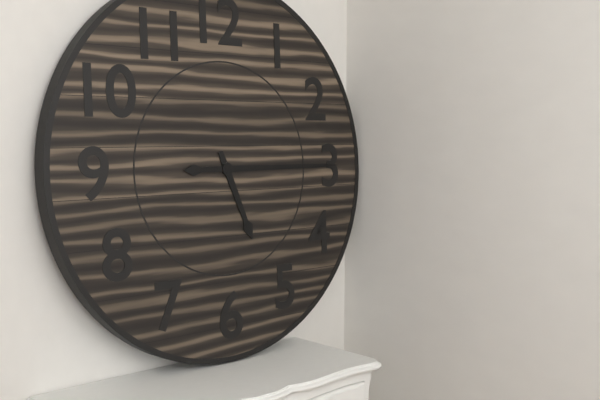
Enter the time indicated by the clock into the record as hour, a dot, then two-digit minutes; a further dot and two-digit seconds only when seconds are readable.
5.15
